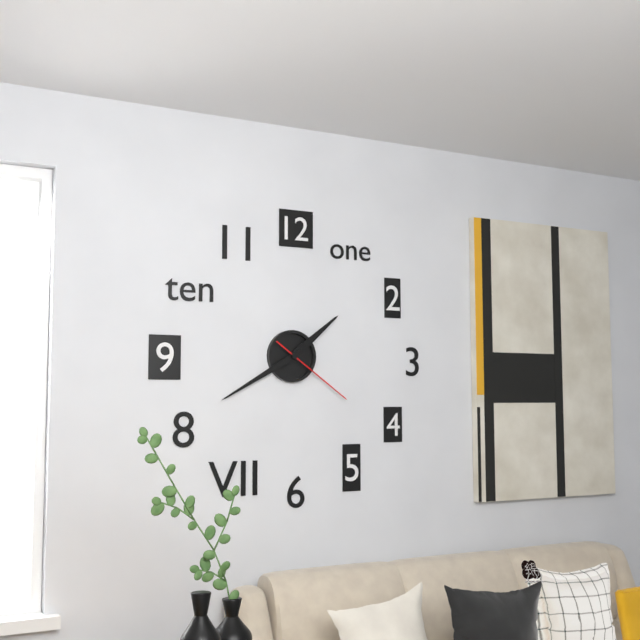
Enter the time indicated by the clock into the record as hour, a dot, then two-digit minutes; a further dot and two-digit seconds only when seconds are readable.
1.40.21
